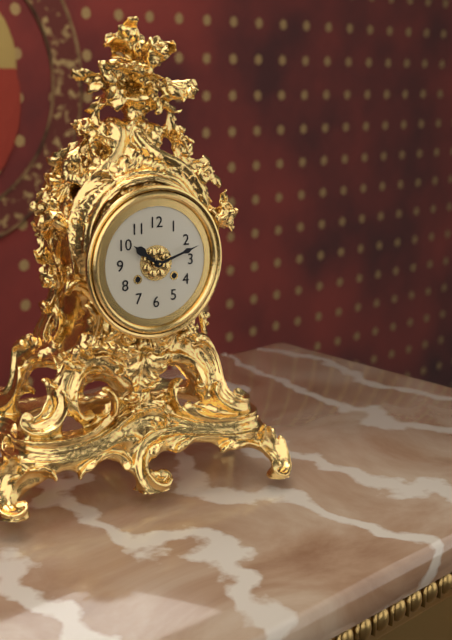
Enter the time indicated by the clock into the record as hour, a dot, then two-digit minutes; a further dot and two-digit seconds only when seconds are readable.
10.12
